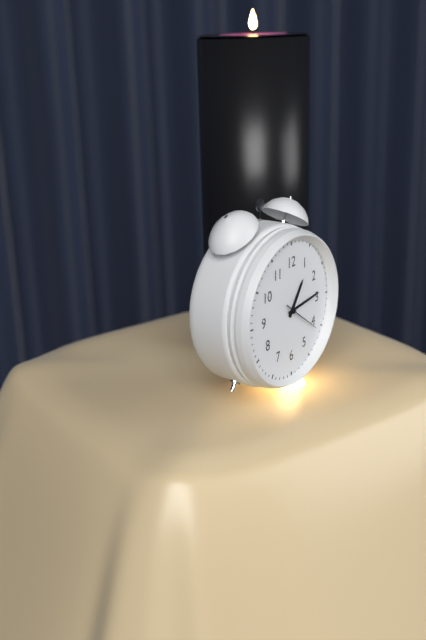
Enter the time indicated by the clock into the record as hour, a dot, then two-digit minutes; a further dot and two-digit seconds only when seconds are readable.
1.14
